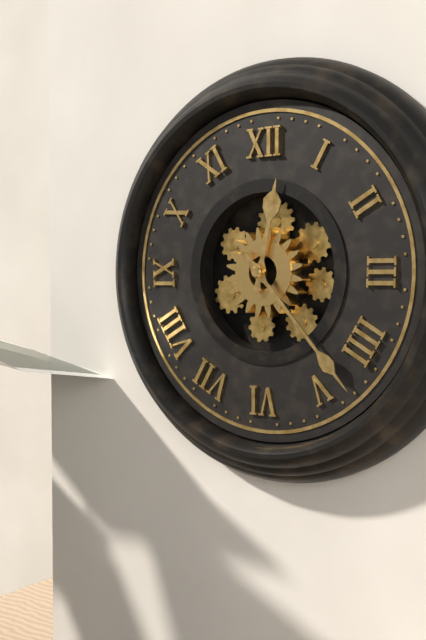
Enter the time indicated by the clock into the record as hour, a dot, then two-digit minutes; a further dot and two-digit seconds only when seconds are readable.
12.23
